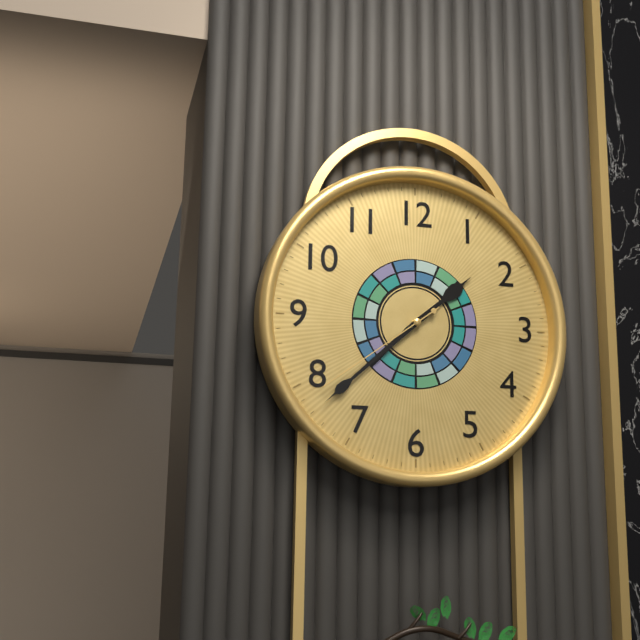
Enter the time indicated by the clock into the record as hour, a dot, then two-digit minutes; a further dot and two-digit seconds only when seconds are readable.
1.38.39
